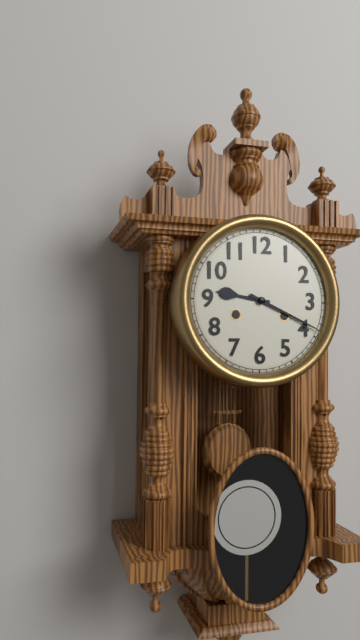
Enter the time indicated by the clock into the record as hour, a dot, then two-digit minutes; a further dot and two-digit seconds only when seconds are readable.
9.19
